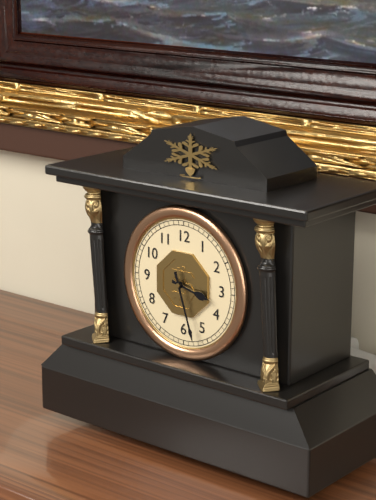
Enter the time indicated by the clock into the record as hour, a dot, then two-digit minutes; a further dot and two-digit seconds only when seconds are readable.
3.27
